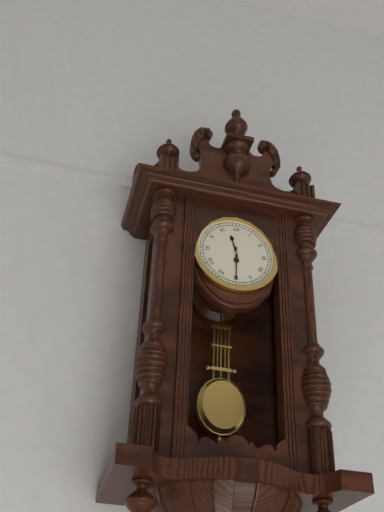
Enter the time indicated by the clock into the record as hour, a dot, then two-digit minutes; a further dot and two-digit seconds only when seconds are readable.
11.30
